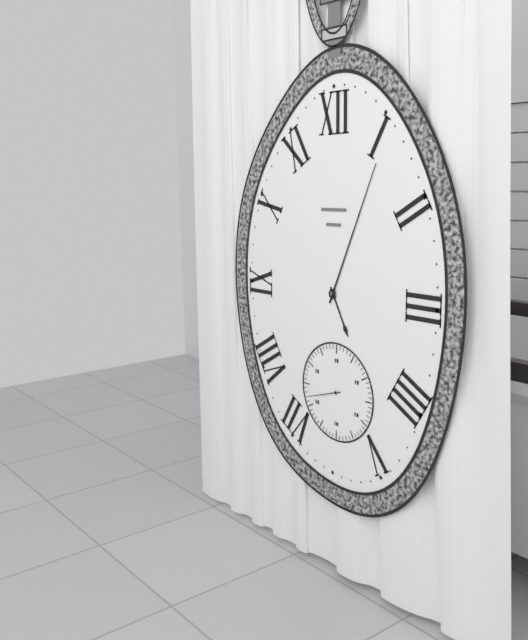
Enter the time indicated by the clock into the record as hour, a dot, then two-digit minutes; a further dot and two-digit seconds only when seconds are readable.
5.04
